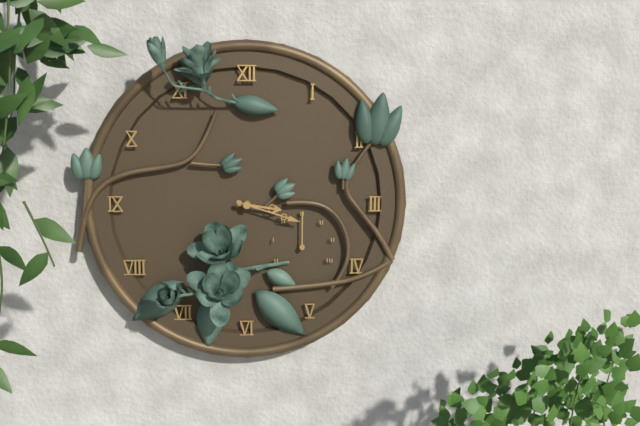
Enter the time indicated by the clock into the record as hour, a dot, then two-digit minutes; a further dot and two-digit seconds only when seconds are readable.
3.18
